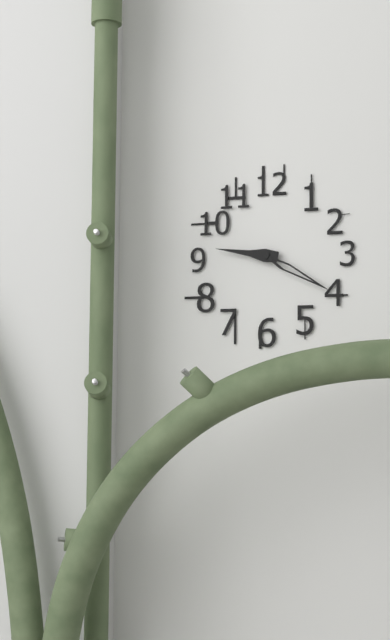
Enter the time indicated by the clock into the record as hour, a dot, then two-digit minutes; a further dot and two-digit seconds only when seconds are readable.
9.20
